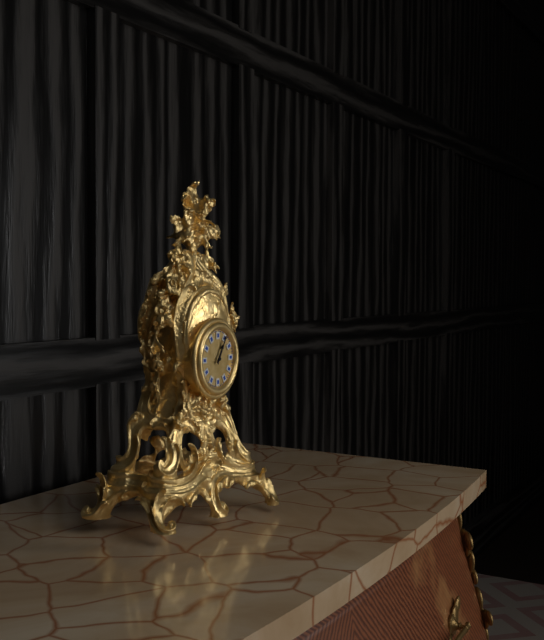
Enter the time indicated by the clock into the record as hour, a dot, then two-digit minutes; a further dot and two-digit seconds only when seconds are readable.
1.05
